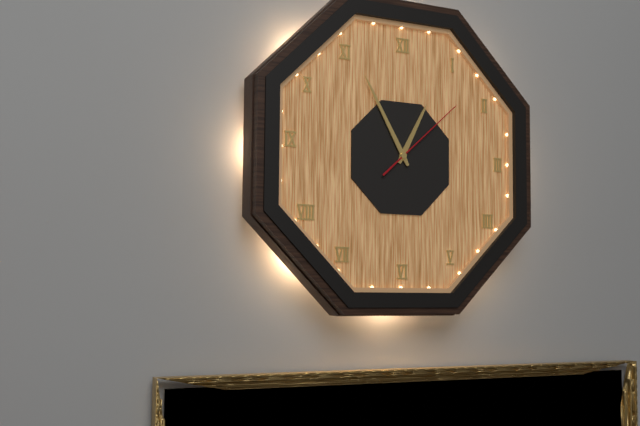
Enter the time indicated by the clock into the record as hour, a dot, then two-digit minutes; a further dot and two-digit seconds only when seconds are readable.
12.55.08
